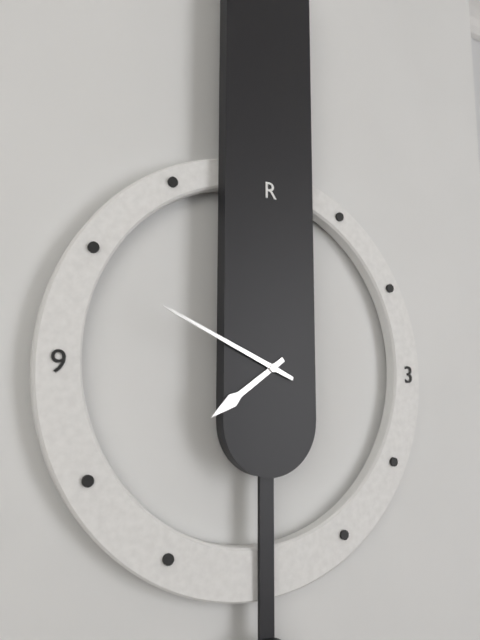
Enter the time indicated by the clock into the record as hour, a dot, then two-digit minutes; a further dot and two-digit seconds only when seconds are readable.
7.49
